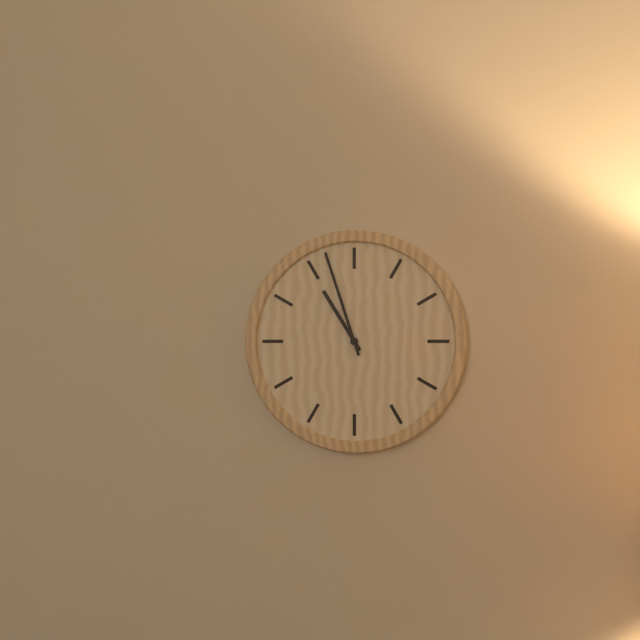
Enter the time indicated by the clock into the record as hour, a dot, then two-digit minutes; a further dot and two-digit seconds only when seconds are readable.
10.57
